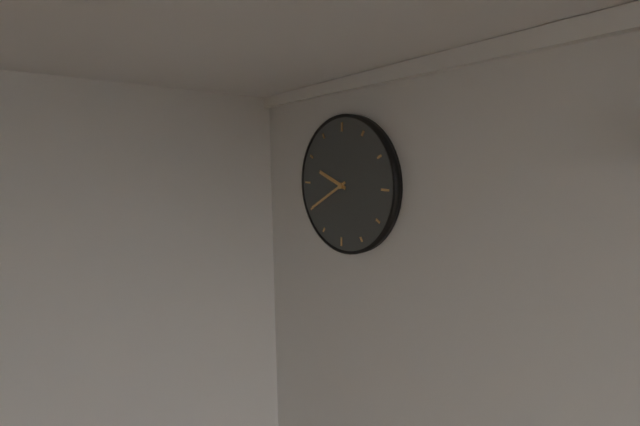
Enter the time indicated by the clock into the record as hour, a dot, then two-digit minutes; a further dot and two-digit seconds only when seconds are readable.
9.40
